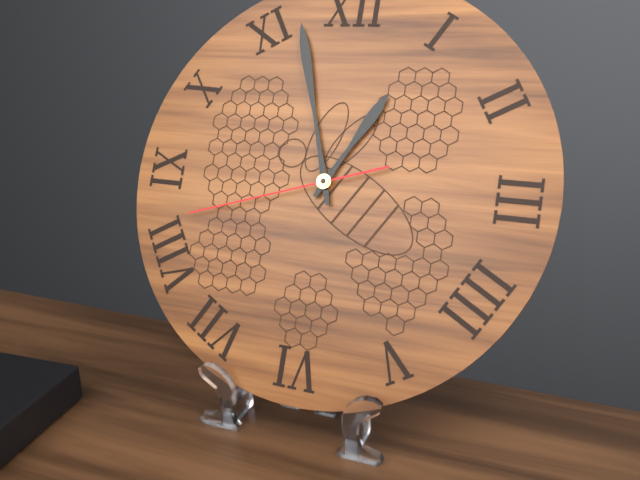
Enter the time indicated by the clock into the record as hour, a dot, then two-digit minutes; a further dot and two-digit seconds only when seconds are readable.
12.57.42
